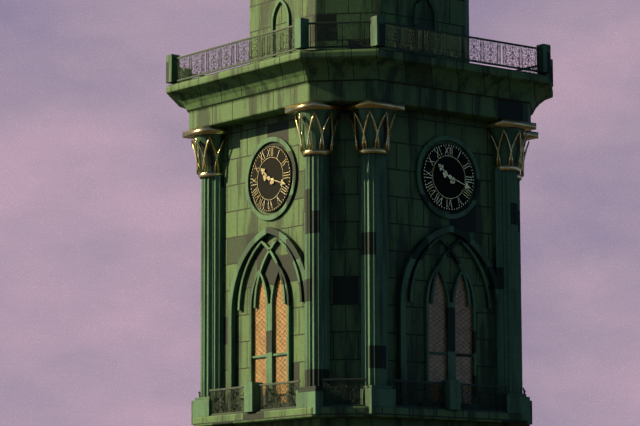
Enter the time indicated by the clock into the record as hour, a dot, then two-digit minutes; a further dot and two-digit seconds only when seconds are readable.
10.18
